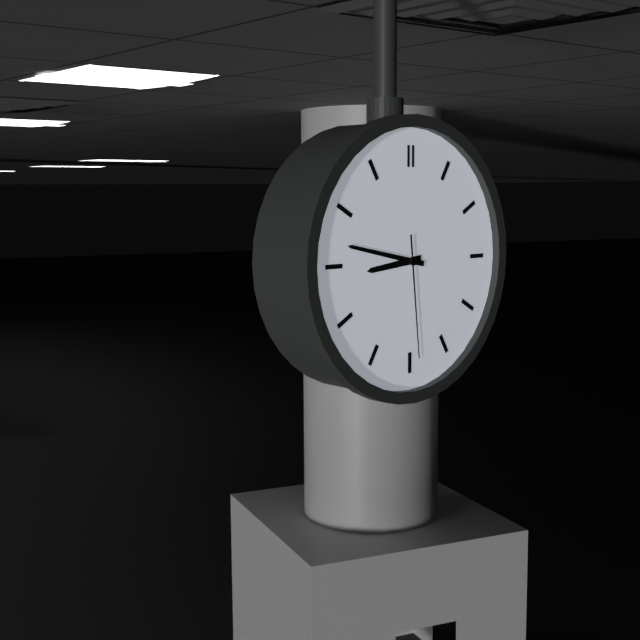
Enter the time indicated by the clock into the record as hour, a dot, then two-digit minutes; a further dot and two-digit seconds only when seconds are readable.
8.47.29
